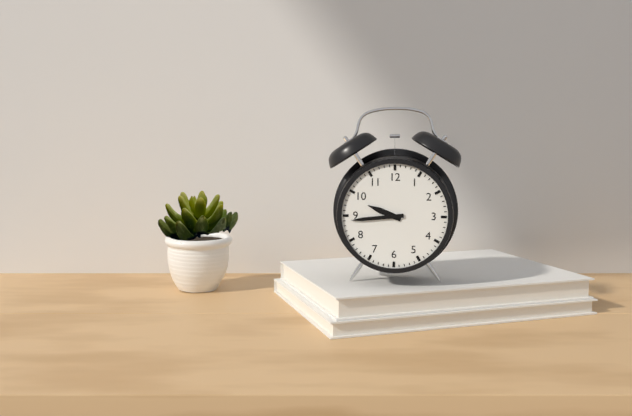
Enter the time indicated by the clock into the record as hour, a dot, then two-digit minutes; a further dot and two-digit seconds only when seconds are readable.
9.44
